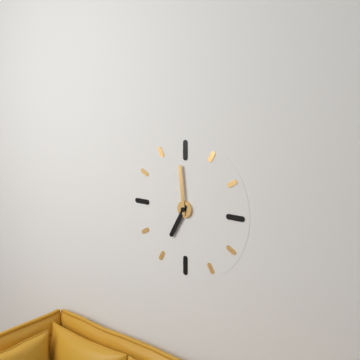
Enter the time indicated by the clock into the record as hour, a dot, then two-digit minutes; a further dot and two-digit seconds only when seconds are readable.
6.59
